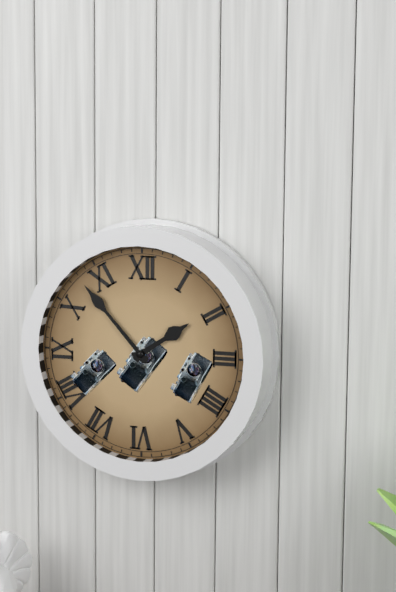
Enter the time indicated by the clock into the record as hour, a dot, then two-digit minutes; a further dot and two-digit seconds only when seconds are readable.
1.53
